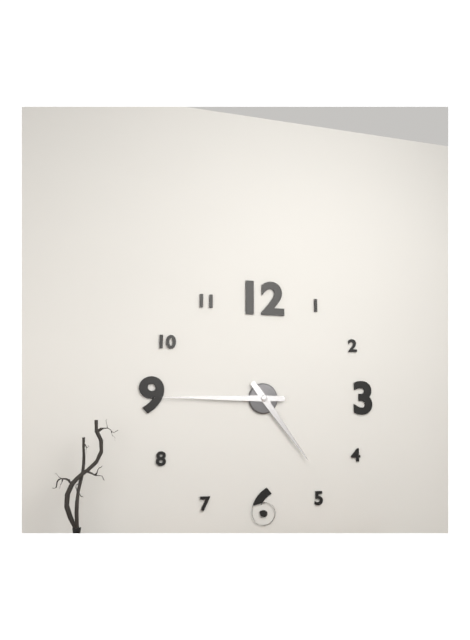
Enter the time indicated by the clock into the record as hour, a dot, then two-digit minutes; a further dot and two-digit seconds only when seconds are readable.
4.45
